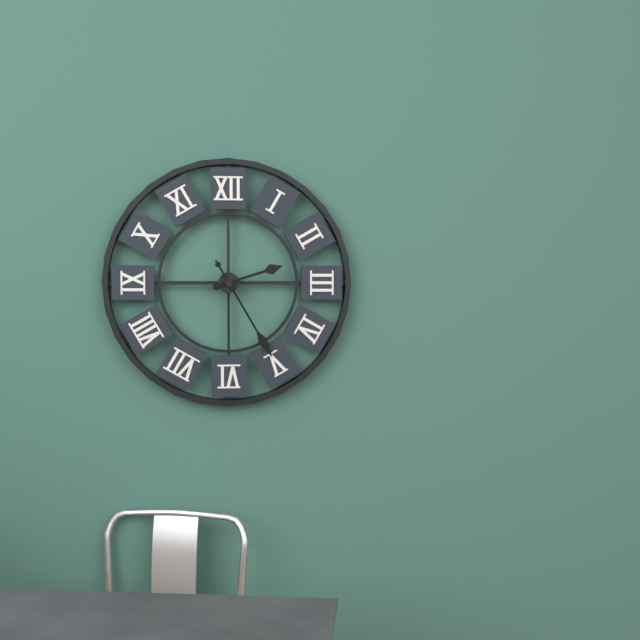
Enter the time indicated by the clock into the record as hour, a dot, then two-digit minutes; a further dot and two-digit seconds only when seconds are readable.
2.25
